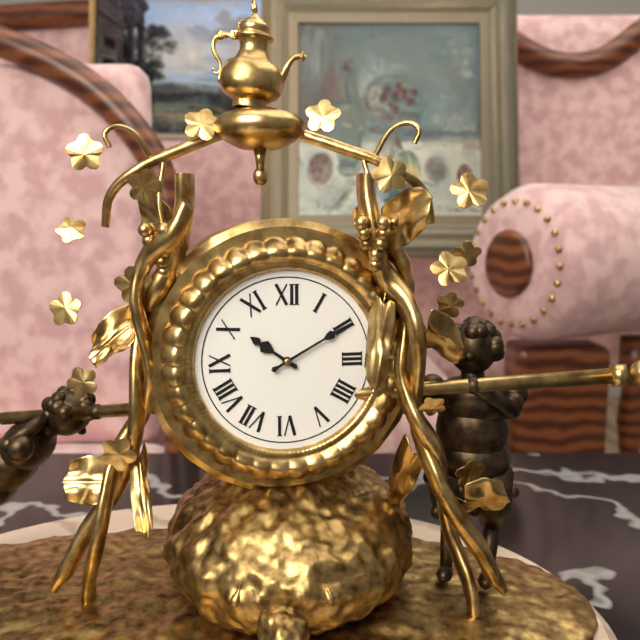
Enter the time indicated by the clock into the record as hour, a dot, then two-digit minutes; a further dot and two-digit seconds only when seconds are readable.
10.10
